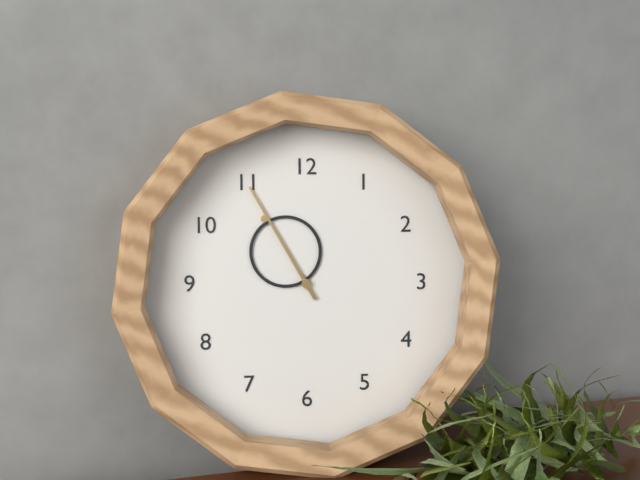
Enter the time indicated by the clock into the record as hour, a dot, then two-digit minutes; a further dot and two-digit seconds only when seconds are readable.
10.55
